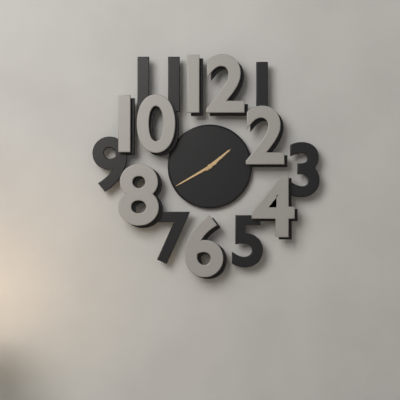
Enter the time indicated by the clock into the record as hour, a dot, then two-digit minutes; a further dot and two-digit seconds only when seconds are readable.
1.40
